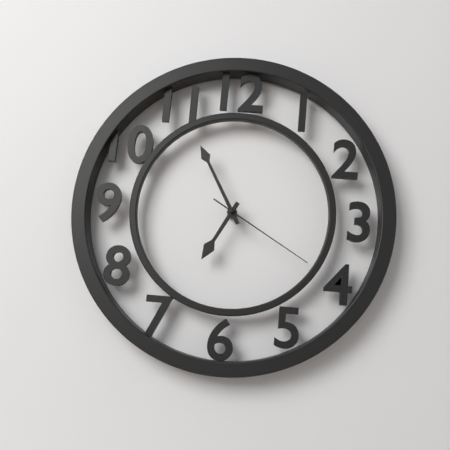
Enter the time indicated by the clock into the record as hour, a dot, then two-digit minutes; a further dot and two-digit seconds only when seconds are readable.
6.55.20
